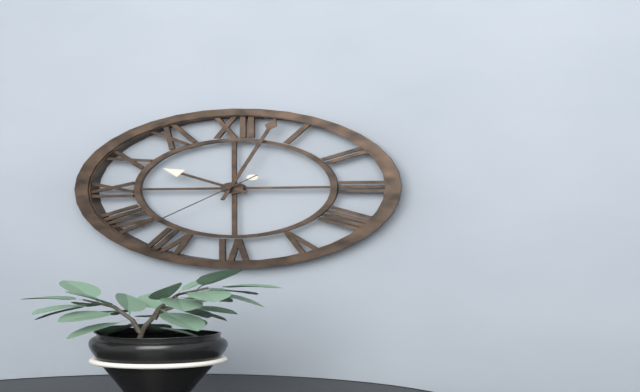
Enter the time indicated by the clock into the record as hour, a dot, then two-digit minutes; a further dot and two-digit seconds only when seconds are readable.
10.03.38
